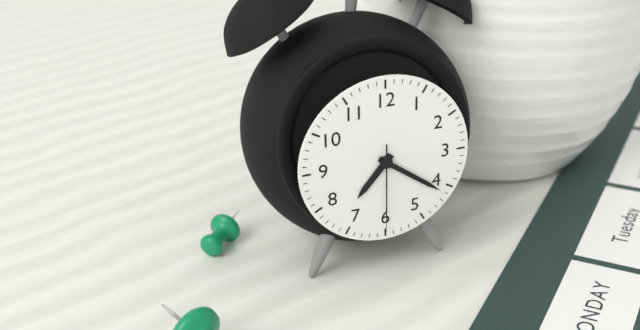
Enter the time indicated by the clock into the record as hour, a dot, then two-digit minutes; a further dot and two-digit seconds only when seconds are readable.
7.21.30
